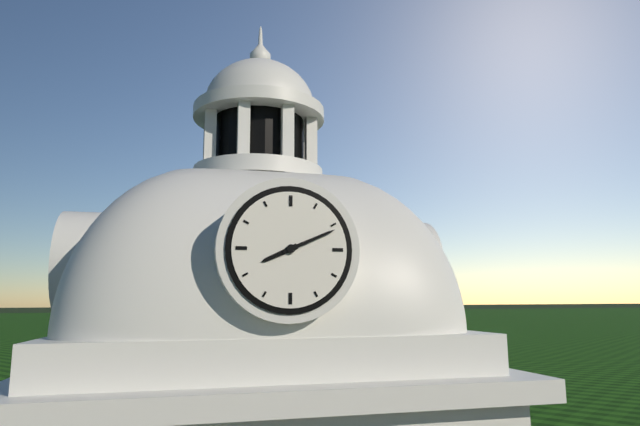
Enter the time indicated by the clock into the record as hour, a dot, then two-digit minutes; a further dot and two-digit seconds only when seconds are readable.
8.11
